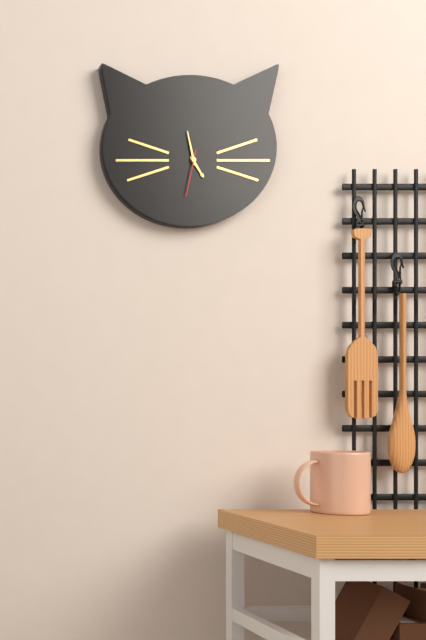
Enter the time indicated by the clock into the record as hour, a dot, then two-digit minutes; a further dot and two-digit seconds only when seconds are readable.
4.58
